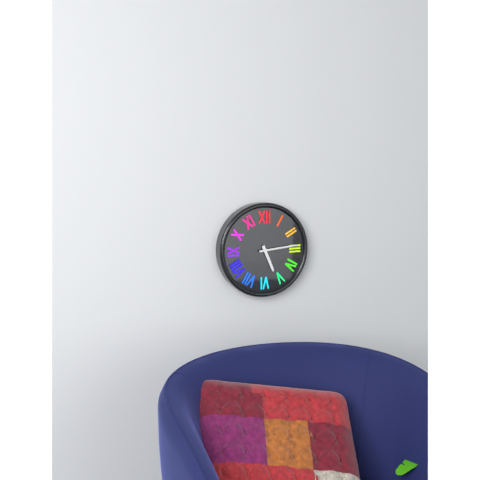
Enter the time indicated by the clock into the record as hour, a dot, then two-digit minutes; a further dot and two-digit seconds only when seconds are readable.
5.14
